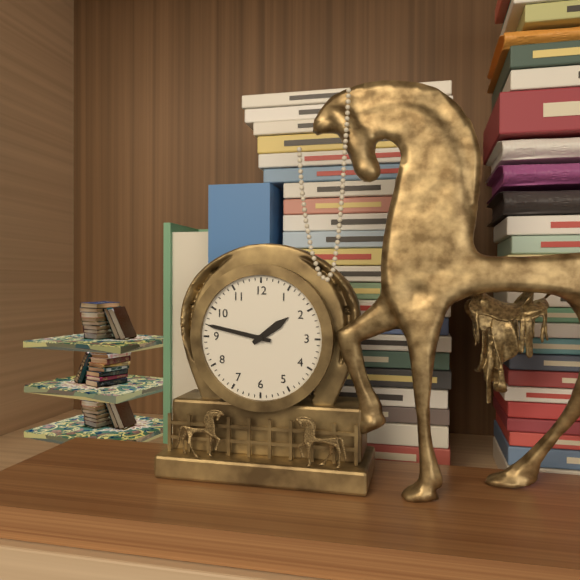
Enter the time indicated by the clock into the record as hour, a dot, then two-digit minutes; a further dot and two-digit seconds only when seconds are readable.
1.47
